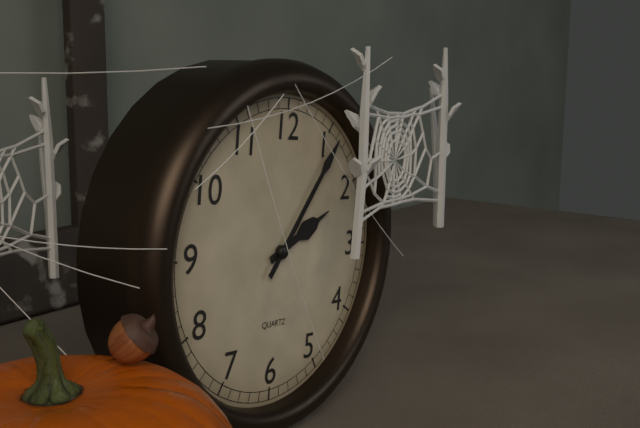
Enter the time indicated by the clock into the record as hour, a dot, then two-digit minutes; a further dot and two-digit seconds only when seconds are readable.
2.06
